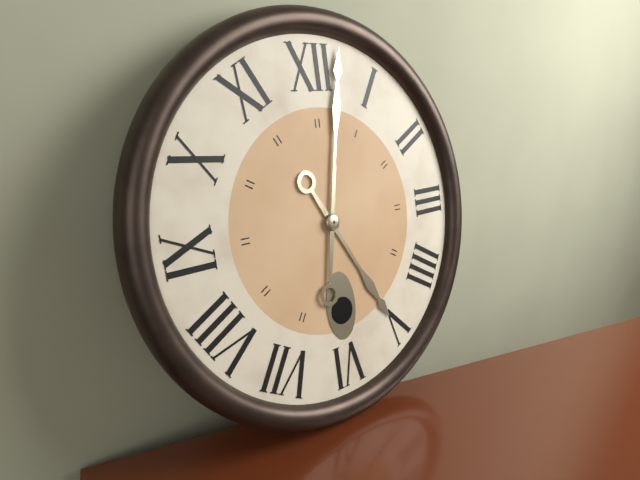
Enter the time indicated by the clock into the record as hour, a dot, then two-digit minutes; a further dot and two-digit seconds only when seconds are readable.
5.02
